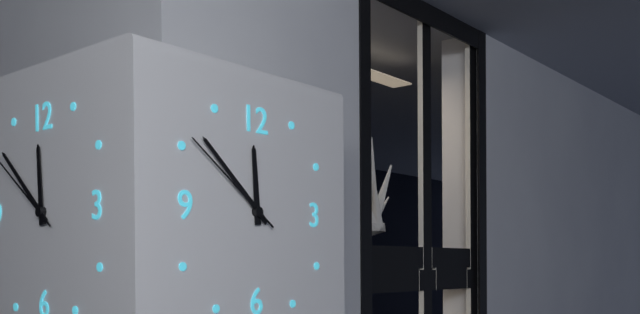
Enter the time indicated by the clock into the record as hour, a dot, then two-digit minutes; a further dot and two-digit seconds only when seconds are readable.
11.52.51
